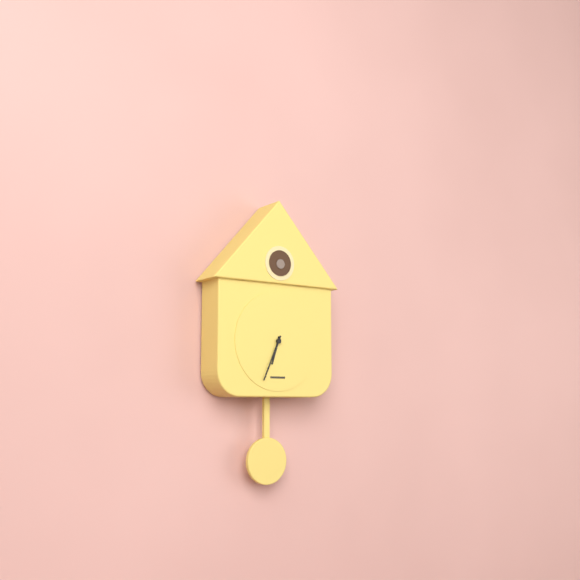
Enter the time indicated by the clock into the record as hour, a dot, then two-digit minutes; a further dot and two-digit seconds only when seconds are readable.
6.34
